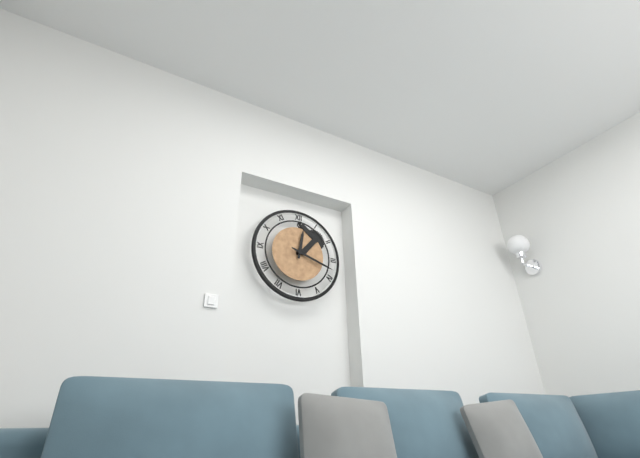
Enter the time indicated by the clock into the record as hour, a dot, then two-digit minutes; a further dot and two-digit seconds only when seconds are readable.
12.18
